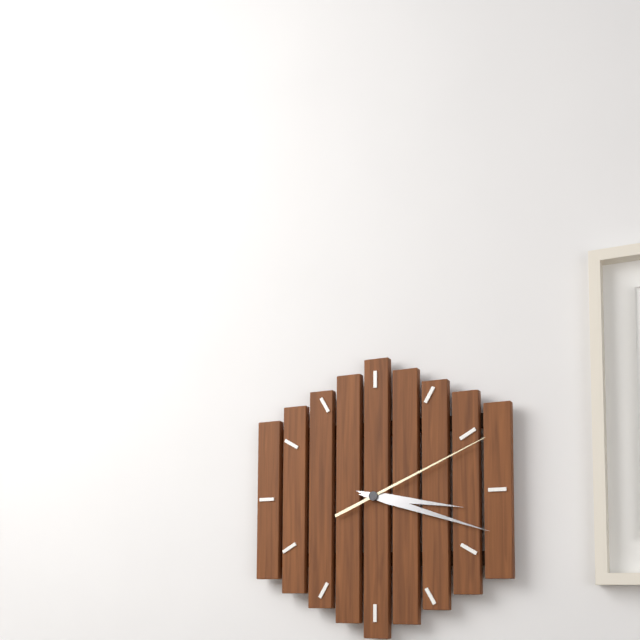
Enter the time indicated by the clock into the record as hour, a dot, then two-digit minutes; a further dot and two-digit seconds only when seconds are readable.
3.18.11
